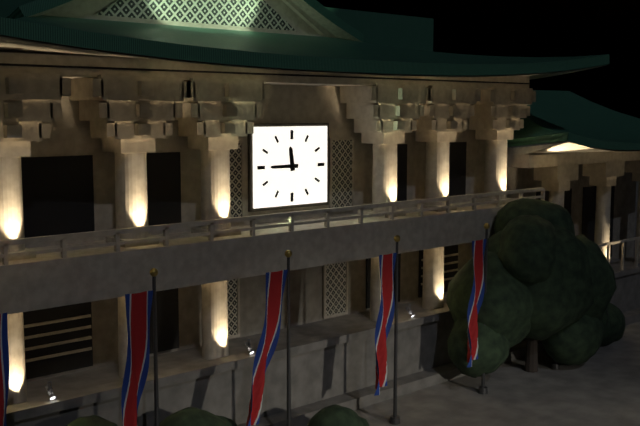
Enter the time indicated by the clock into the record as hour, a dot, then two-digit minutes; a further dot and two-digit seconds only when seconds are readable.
11.45
